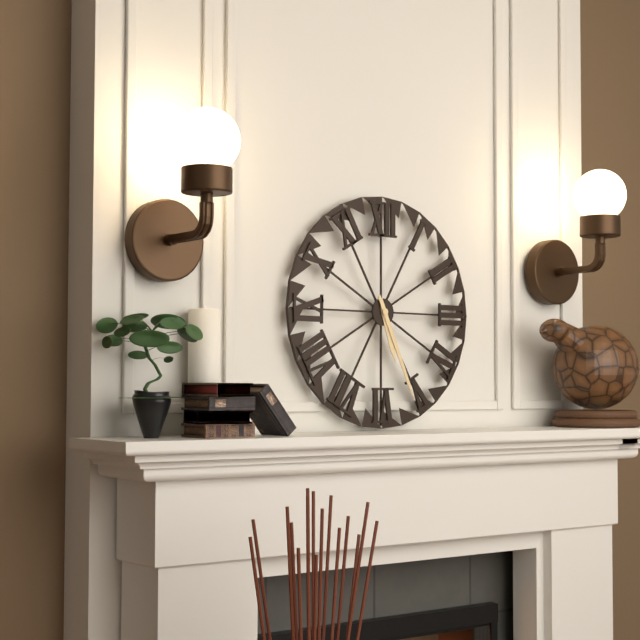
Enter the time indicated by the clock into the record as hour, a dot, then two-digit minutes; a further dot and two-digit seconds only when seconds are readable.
5.26
